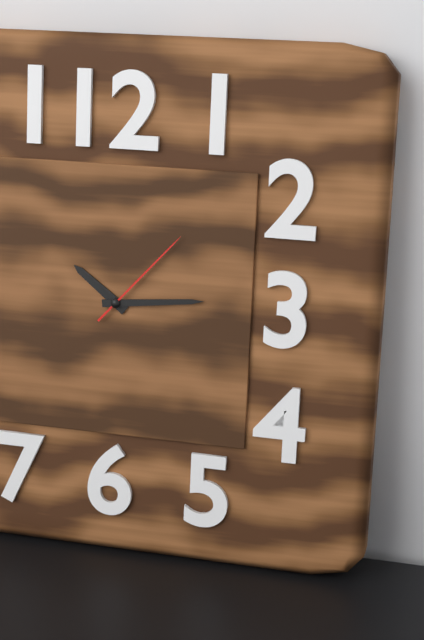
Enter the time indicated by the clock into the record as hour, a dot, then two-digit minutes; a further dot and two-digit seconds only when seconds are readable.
10.14.07
